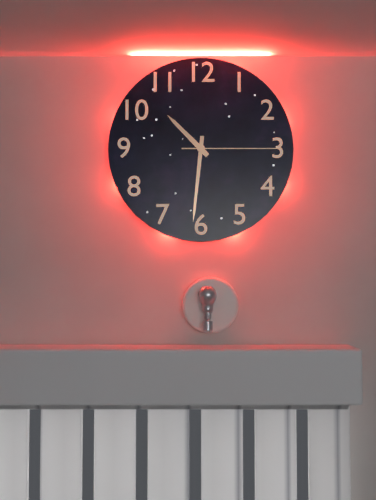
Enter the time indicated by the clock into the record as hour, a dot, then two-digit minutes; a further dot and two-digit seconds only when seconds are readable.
10.31.15
